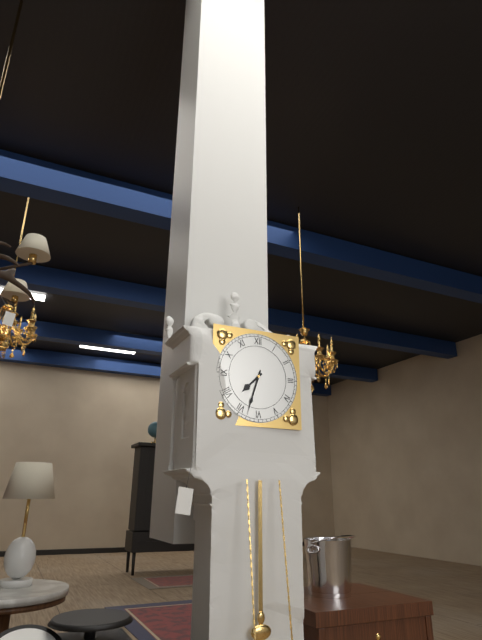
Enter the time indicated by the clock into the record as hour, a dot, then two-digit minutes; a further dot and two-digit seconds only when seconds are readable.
7.33
